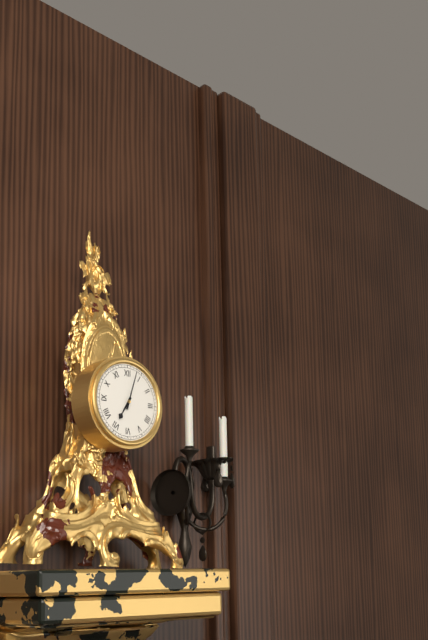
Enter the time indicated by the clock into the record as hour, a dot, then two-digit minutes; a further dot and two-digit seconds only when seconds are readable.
7.03
